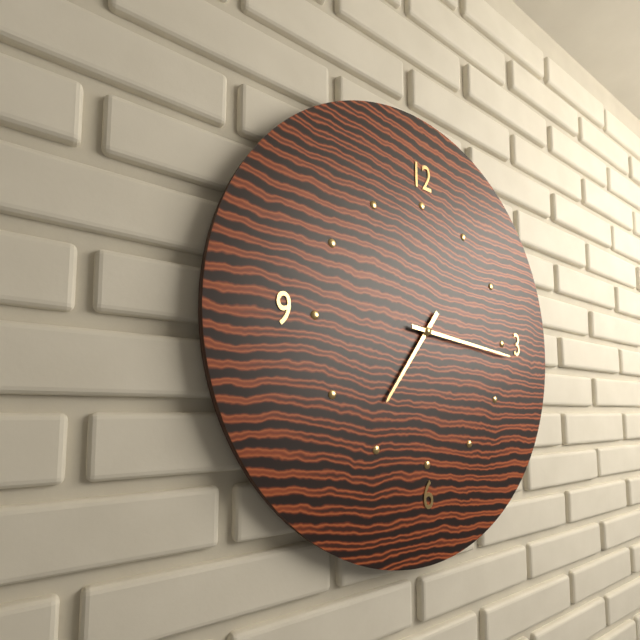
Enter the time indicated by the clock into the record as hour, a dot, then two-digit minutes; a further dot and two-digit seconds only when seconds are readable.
7.16
